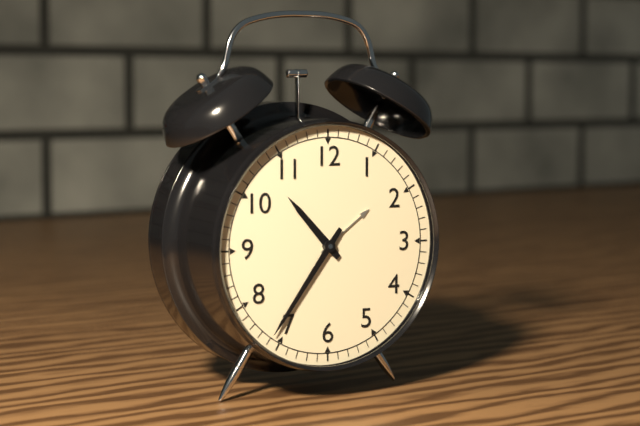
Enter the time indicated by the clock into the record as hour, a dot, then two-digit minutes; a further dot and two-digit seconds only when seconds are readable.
10.36
